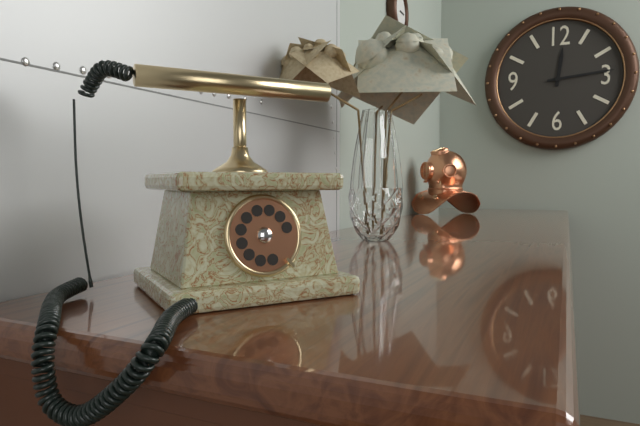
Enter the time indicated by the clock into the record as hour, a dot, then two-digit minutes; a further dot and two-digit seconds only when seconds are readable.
12.14
